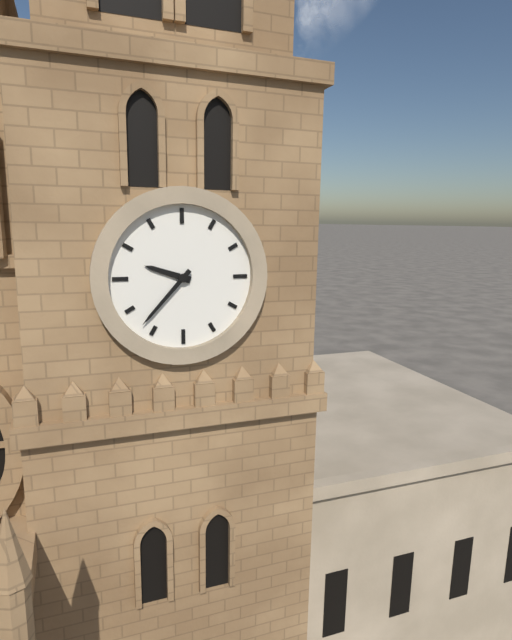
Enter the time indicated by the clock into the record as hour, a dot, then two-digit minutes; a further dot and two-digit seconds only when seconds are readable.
9.37
